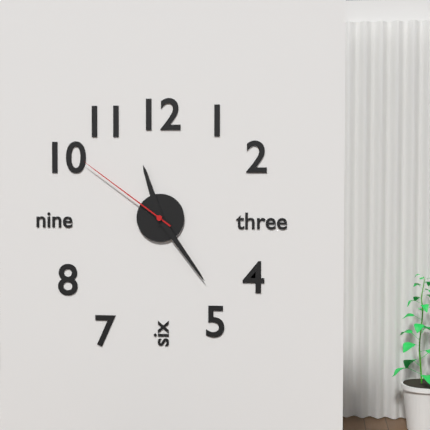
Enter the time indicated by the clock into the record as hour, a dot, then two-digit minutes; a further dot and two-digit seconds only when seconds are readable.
11.24.51
